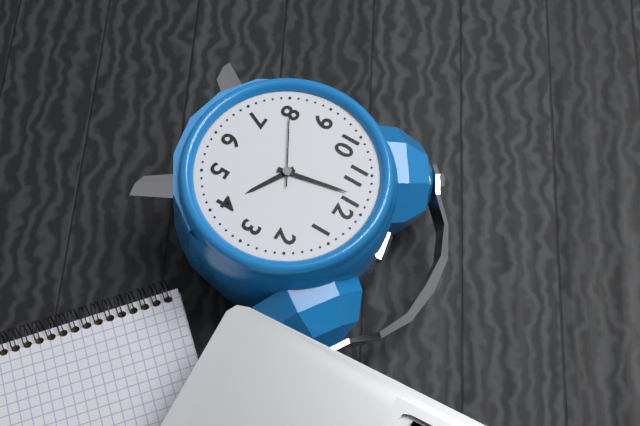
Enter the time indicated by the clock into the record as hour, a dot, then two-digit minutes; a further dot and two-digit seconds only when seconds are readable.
3.58.40
